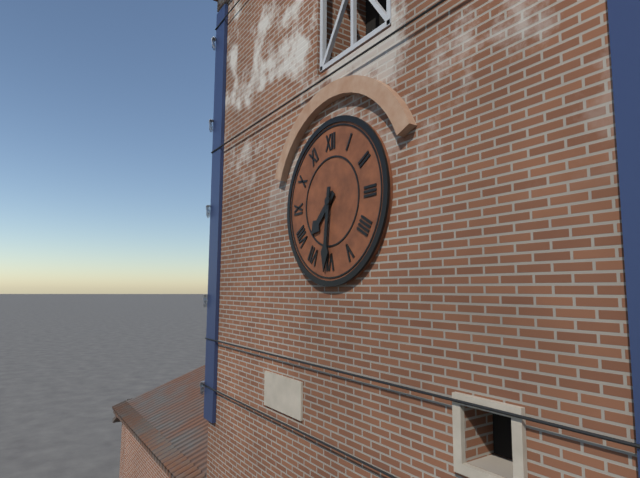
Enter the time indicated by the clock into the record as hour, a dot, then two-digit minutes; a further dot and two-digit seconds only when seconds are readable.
7.31
